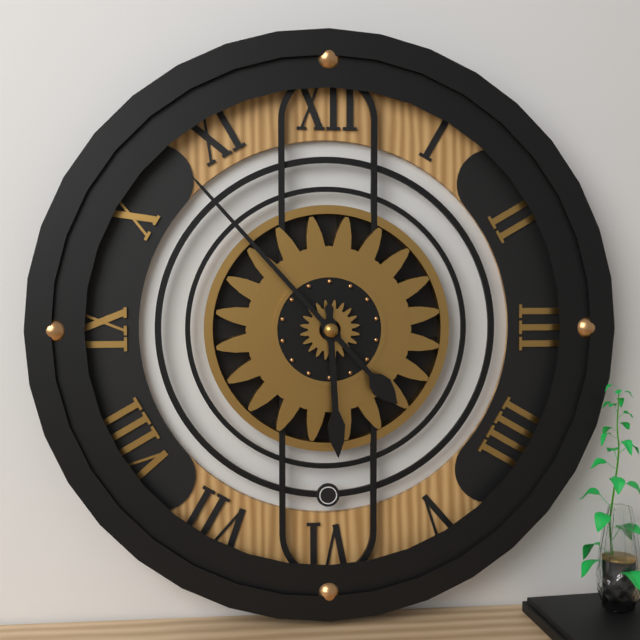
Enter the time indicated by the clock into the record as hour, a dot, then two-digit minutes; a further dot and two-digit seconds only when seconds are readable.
5.53
